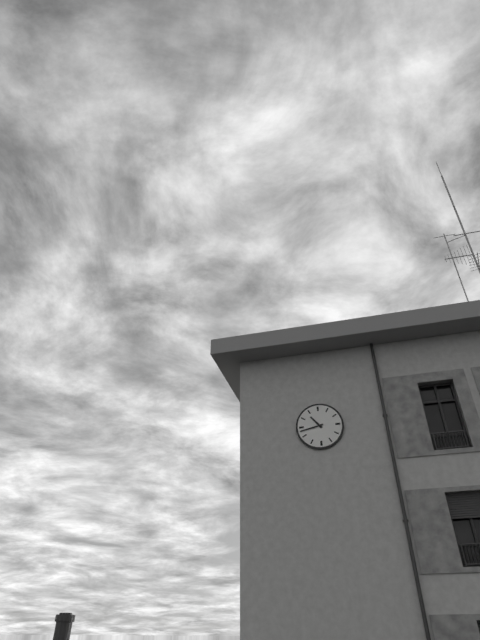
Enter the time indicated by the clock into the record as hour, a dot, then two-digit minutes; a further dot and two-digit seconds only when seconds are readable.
10.43
